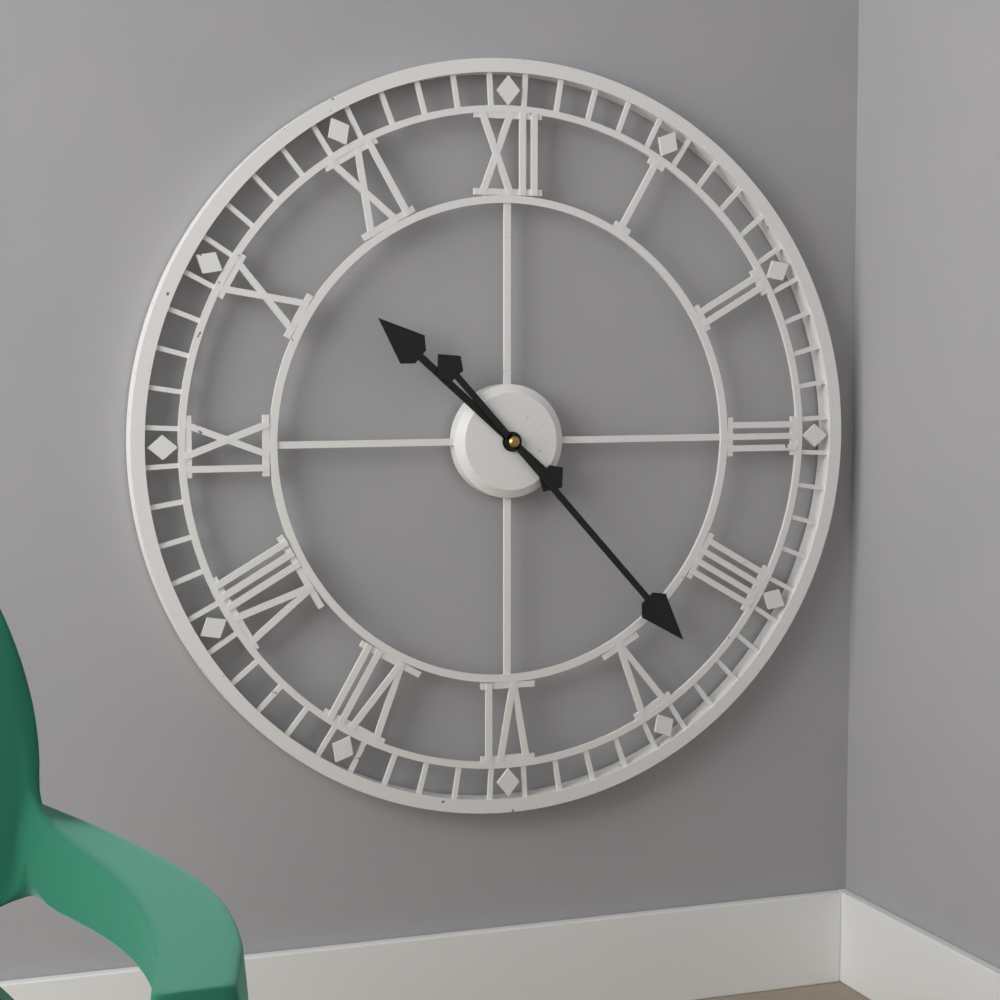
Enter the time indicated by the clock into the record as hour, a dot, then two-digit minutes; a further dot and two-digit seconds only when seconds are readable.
10.23
